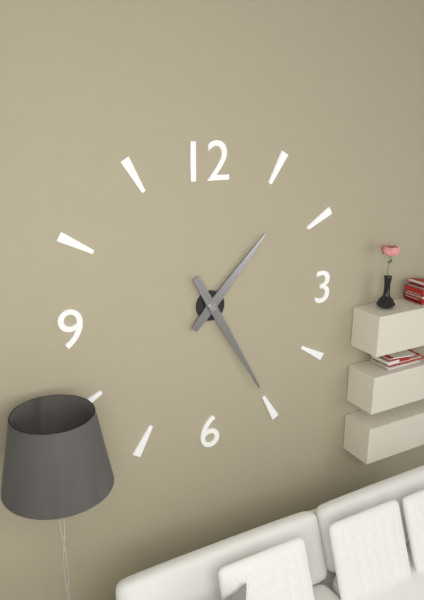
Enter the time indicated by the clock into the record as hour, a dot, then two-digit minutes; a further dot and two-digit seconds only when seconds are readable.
1.25
